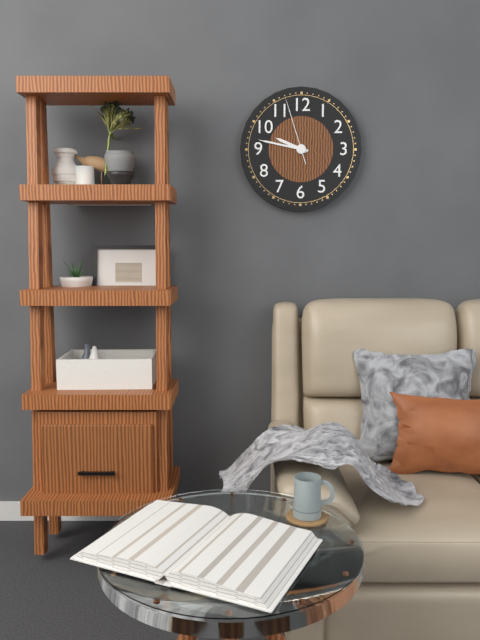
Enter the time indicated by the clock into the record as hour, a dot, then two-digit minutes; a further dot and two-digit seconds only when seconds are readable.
9.47.57
